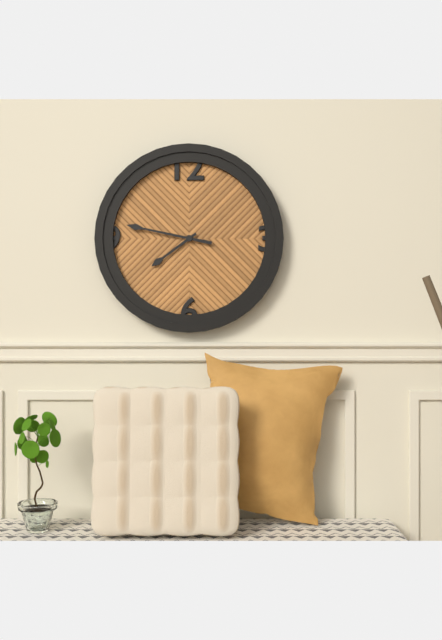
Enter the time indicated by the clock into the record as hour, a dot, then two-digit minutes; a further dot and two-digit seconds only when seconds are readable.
7.47
